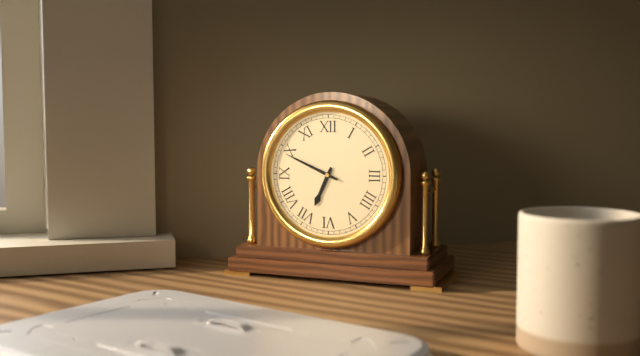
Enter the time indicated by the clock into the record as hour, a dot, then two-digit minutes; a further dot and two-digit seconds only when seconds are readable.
6.49
